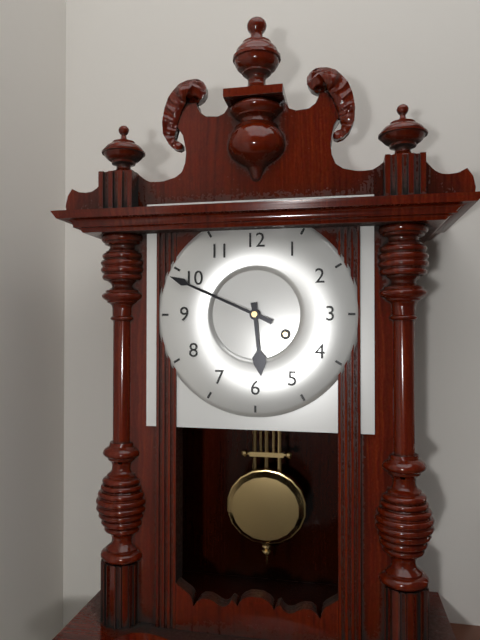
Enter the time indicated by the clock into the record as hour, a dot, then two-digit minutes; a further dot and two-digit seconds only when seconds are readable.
5.49
